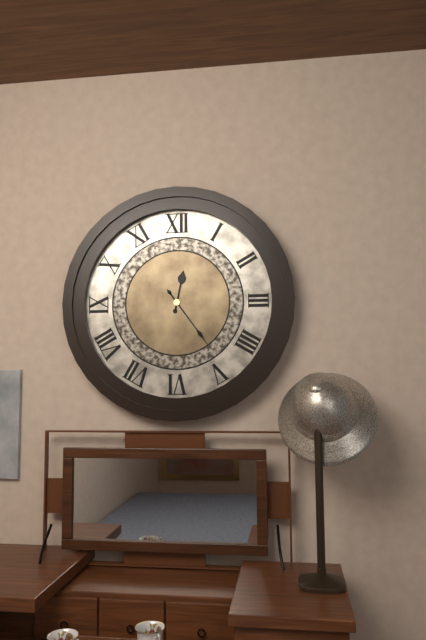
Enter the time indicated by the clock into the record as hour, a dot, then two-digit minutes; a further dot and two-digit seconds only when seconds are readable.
12.24
